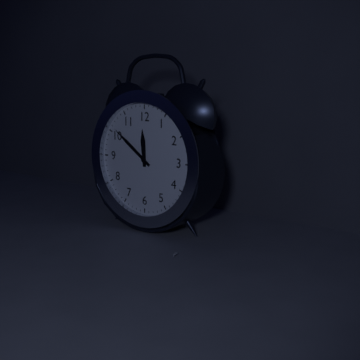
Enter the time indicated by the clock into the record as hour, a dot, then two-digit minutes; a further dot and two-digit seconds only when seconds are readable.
11.51
